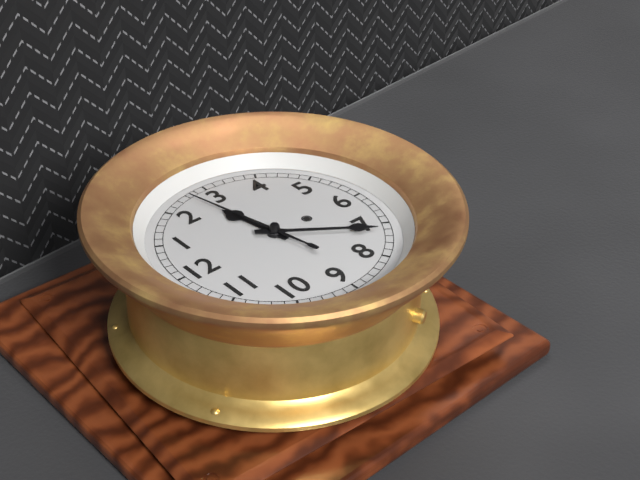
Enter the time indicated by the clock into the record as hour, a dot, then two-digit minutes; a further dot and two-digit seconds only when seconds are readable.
2.36.13
